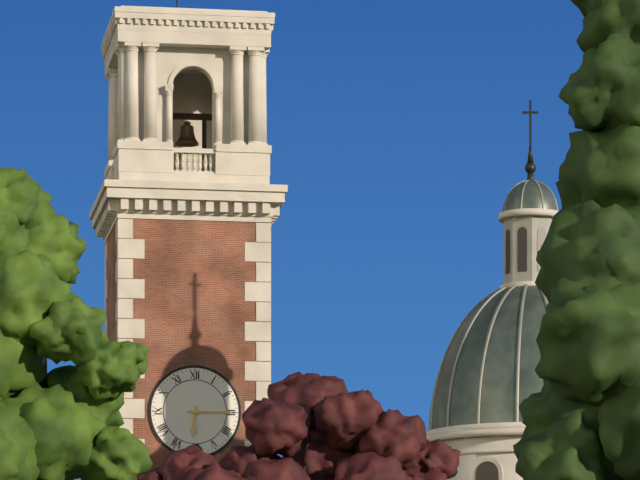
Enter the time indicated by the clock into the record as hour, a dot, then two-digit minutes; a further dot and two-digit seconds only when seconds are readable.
6.15
